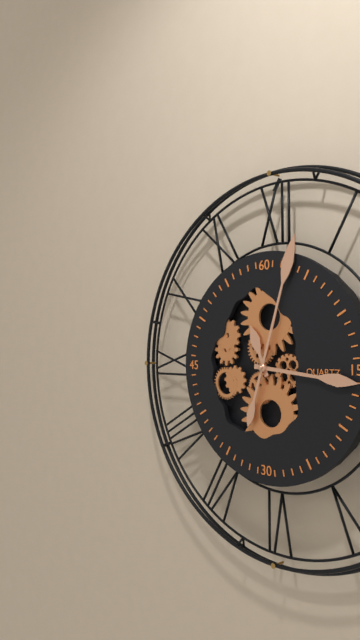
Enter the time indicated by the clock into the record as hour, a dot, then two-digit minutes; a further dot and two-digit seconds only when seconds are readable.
11.16.03
